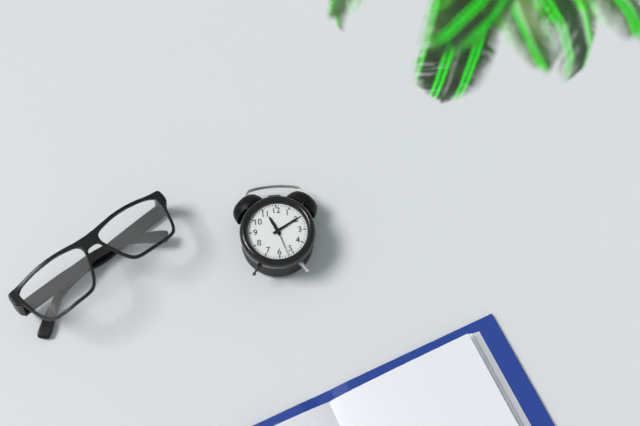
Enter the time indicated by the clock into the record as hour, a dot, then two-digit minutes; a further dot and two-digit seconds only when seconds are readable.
11.10
